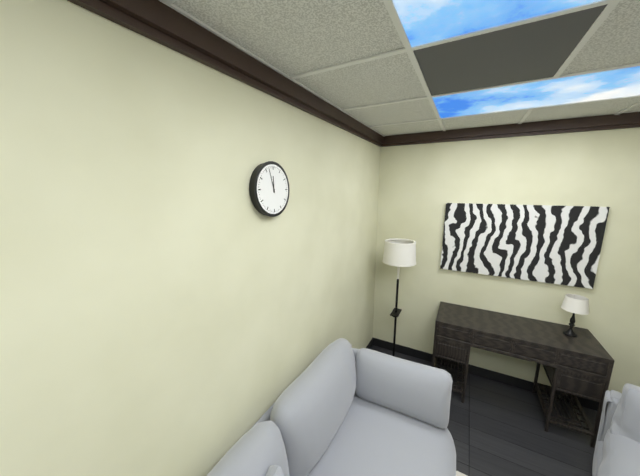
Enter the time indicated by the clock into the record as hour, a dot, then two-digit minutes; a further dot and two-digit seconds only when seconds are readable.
11.57
